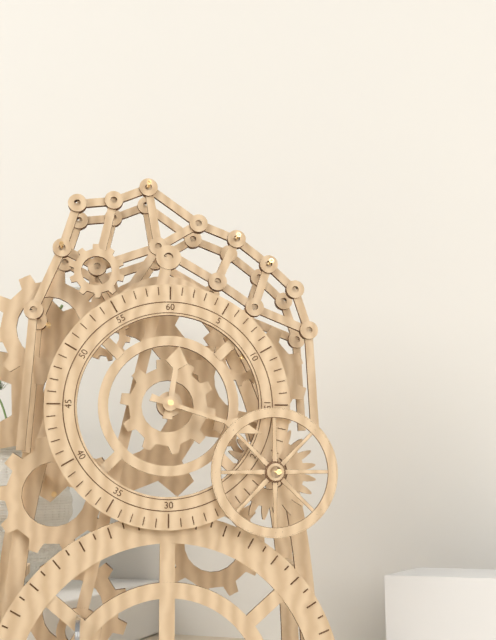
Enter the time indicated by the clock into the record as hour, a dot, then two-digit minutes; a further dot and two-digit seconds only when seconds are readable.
12.18
